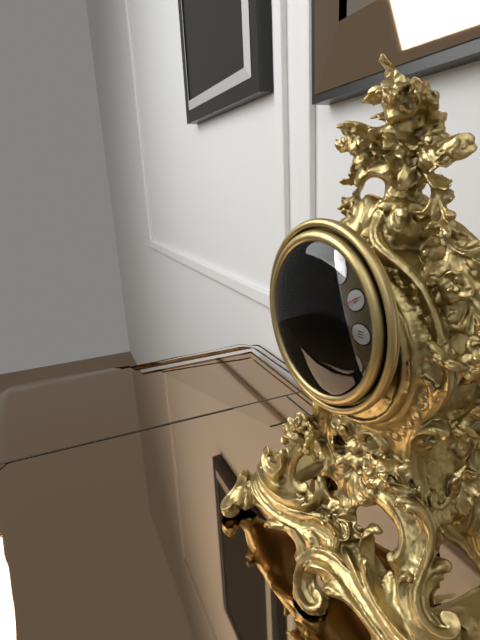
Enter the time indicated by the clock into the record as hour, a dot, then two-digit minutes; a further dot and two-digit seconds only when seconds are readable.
6.35.10
